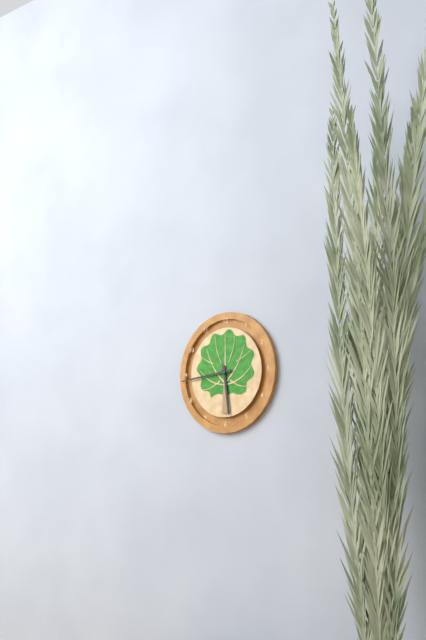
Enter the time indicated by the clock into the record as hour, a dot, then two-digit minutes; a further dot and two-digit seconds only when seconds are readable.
5.44
